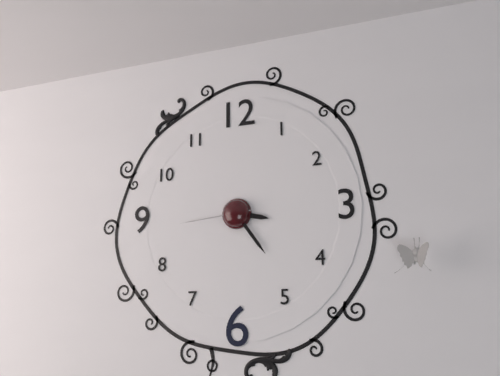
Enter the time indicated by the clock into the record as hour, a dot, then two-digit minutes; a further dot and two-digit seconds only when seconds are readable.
3.24.44
